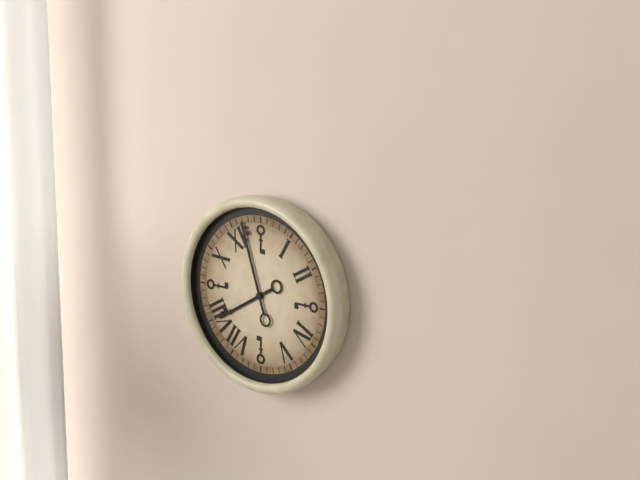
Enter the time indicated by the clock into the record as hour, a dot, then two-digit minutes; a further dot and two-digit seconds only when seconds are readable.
7.57
